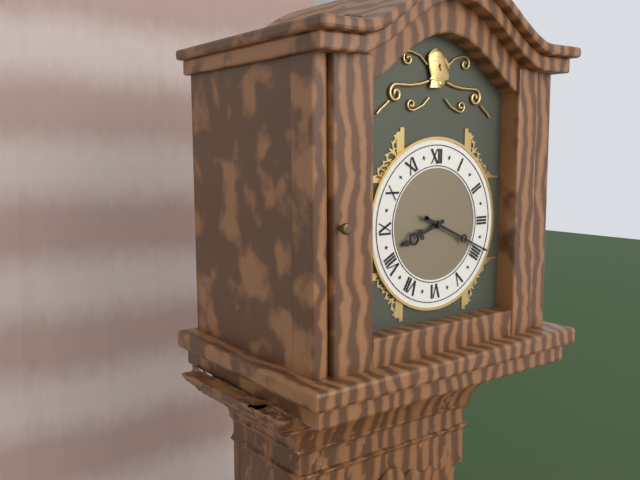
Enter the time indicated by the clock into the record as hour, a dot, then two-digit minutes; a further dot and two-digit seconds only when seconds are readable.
8.19
